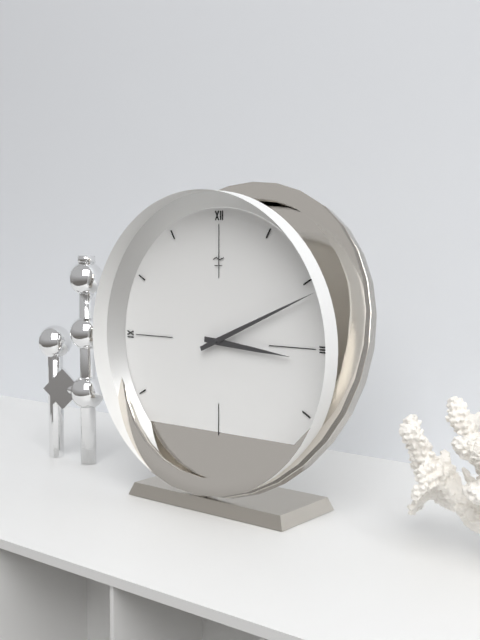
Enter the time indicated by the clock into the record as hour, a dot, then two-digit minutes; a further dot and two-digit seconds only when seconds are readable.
3.11
